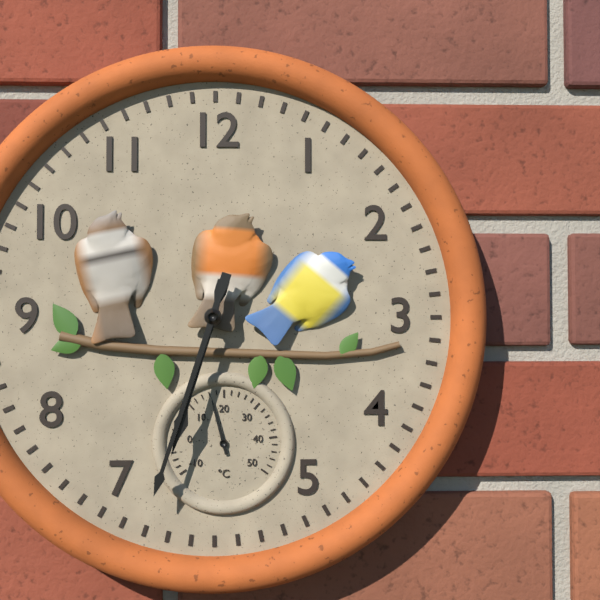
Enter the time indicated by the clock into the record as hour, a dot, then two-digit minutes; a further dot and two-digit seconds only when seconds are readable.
6.33
